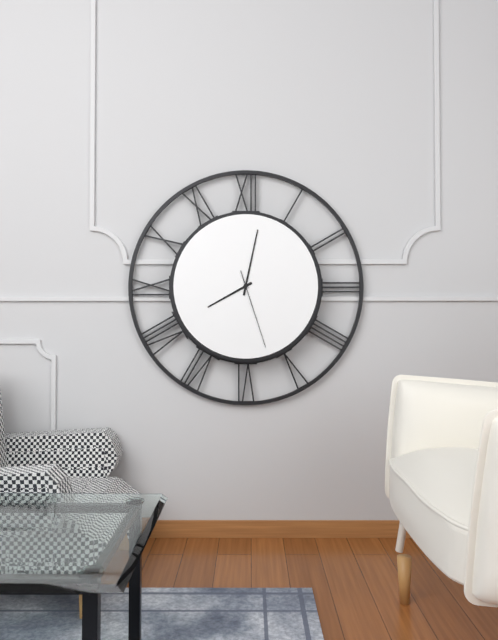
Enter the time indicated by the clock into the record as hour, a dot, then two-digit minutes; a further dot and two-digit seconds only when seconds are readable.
8.02.27
